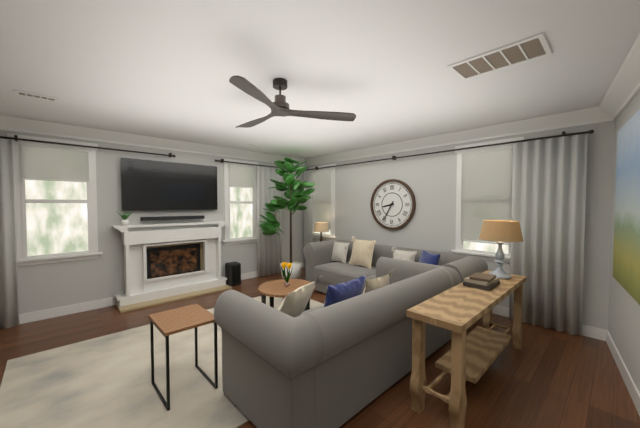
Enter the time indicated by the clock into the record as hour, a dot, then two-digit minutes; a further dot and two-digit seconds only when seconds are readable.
8.35
